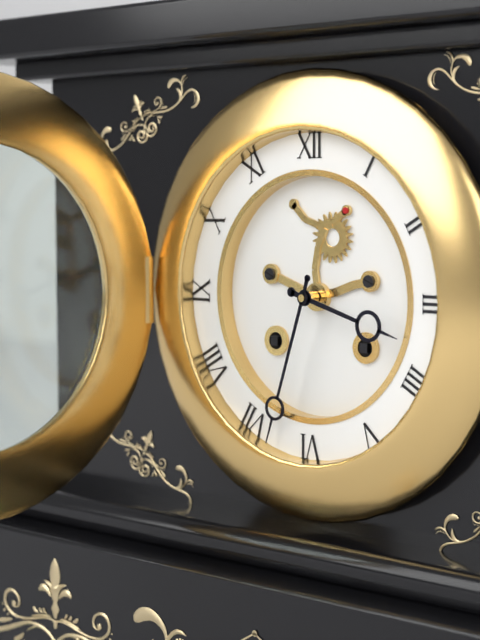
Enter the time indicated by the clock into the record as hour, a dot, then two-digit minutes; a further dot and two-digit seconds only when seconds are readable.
3.33
